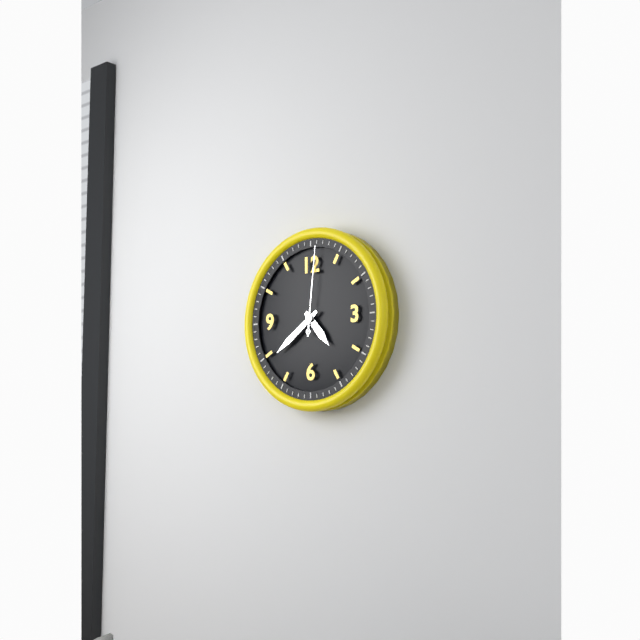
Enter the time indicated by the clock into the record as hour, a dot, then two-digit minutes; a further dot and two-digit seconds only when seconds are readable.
4.39.01
